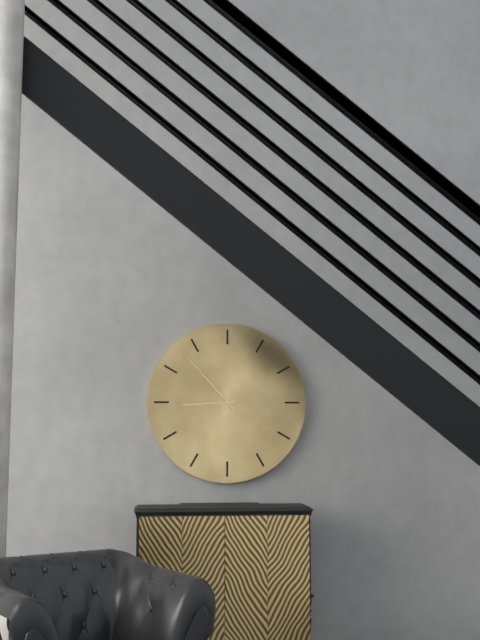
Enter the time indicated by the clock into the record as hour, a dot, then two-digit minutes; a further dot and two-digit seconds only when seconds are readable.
8.53
